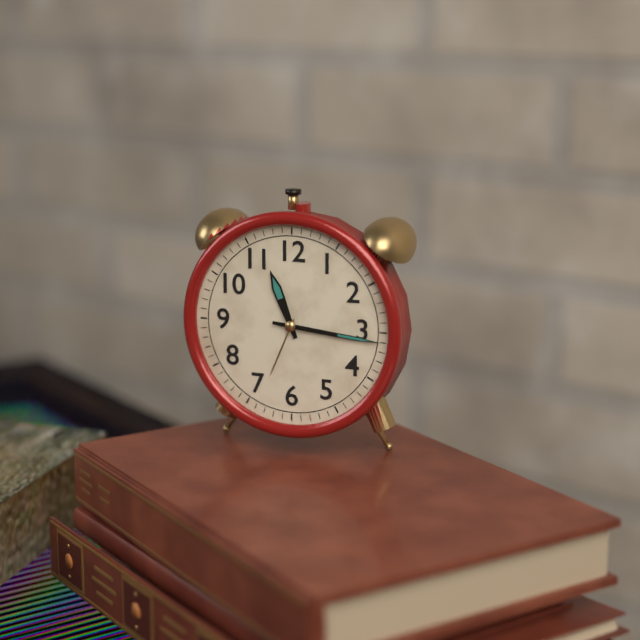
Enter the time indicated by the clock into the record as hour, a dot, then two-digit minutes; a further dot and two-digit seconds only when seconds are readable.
11.16
